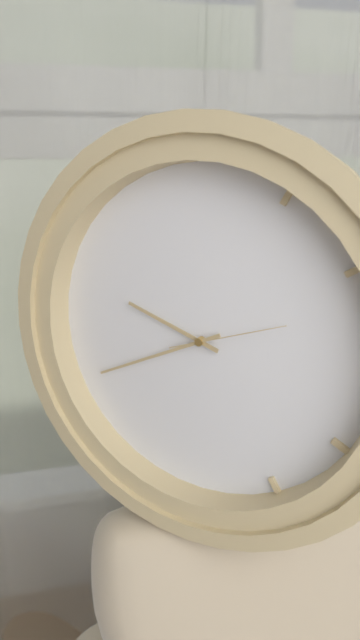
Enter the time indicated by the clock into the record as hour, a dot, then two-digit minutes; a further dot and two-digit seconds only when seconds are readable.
9.41.12
